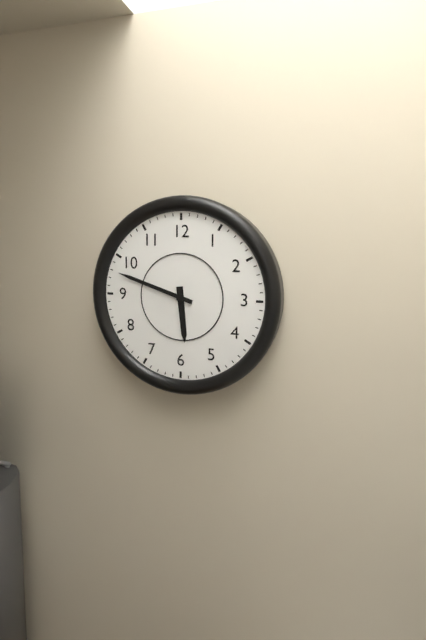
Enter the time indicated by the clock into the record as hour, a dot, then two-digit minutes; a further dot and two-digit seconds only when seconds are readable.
5.48
